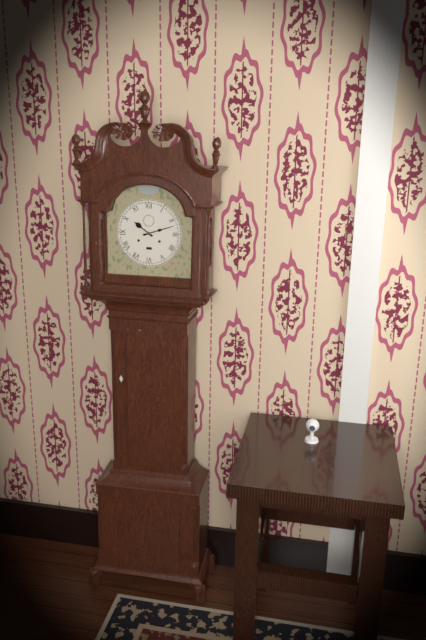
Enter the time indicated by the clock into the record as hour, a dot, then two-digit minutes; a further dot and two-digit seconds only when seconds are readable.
10.12
